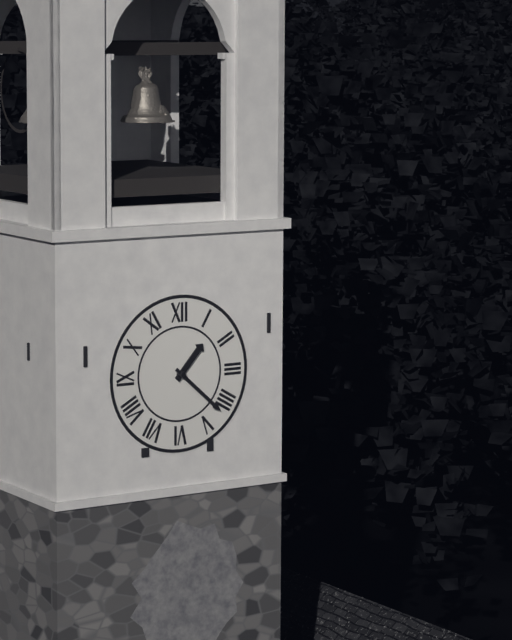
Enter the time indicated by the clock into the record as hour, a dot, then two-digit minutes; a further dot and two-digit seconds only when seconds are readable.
1.22
